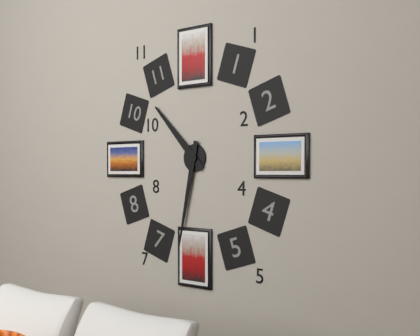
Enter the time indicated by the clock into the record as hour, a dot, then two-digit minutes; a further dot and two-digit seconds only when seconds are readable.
10.32
